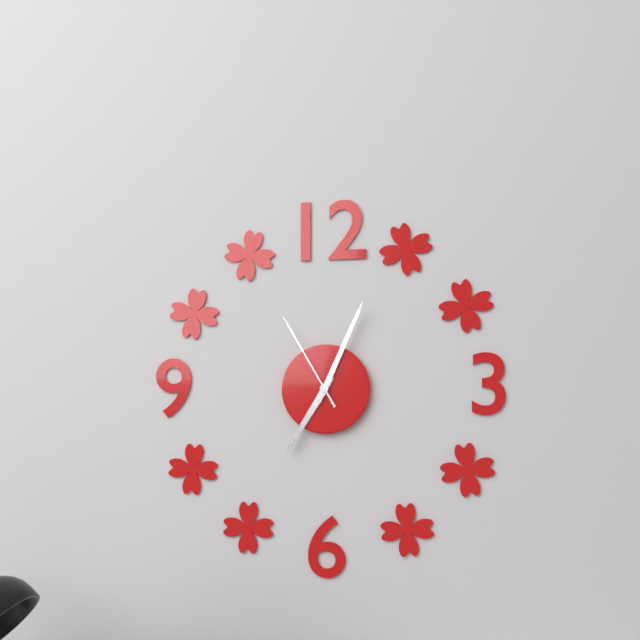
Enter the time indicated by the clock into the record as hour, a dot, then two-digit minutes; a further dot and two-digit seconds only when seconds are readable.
7.04.55
